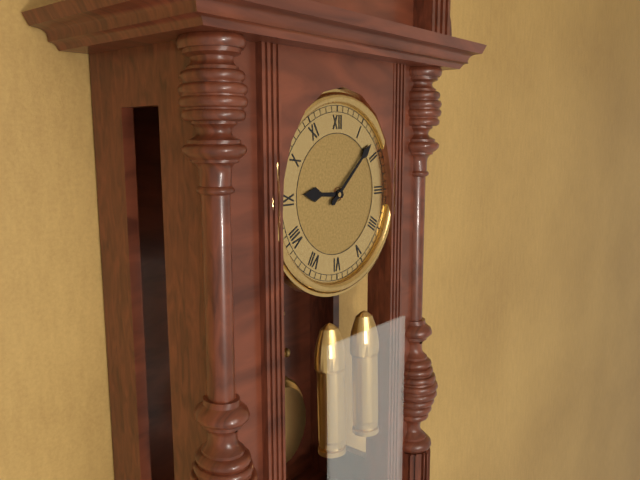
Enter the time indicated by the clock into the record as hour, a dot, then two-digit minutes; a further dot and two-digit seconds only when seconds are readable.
9.08
